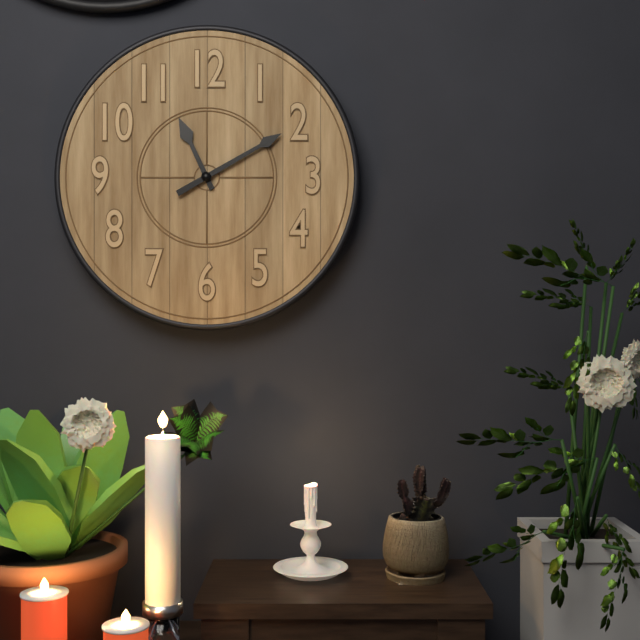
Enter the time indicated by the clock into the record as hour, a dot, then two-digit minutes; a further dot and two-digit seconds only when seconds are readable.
11.10
